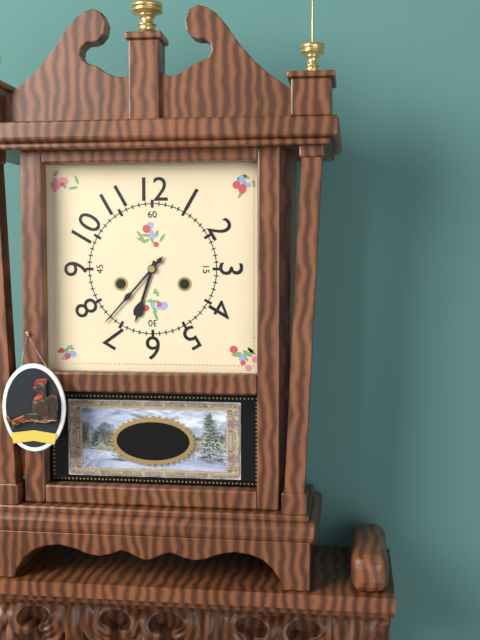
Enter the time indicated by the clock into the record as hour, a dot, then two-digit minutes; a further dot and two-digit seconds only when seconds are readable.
6.37
